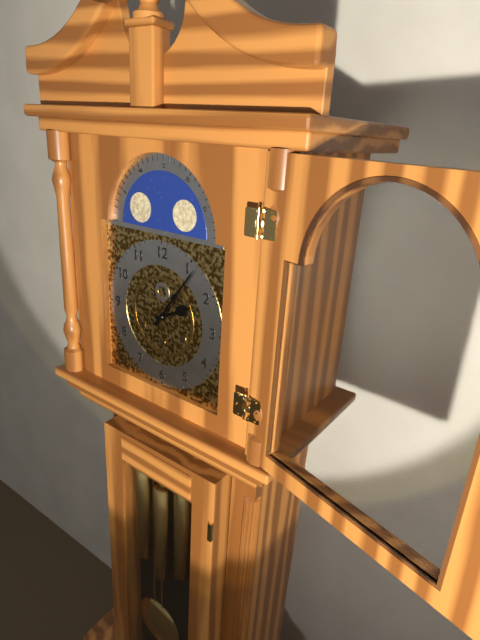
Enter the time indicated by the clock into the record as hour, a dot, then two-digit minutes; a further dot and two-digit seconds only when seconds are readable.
2.06
